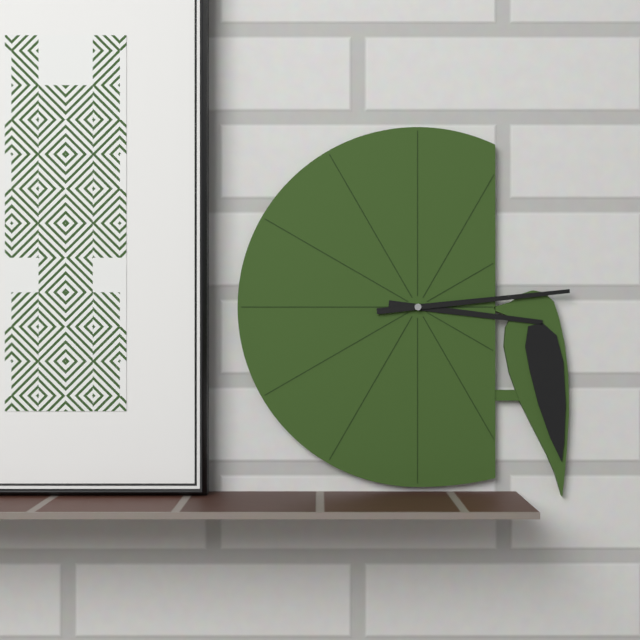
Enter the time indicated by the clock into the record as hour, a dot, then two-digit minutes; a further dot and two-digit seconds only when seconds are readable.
3.14
